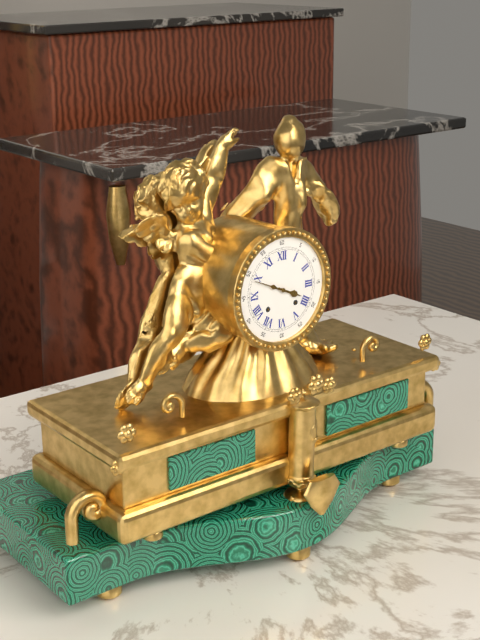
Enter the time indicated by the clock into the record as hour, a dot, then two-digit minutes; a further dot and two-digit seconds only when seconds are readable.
3.49
